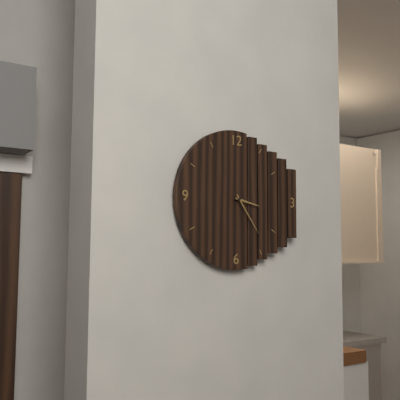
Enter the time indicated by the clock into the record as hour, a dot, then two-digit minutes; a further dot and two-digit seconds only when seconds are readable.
3.24
